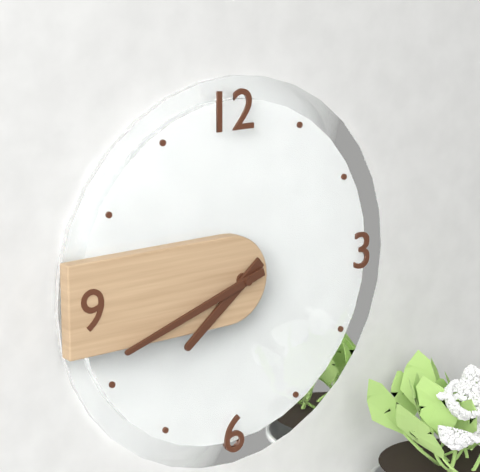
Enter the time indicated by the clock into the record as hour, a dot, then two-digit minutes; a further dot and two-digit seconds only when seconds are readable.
7.42
